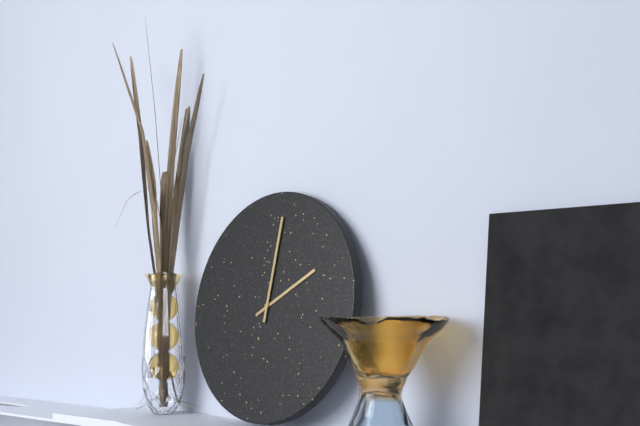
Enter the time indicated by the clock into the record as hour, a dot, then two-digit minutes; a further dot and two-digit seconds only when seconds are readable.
2.01
